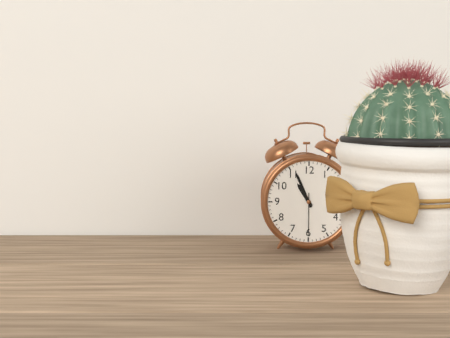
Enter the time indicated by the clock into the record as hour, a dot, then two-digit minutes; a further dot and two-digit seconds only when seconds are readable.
10.56
